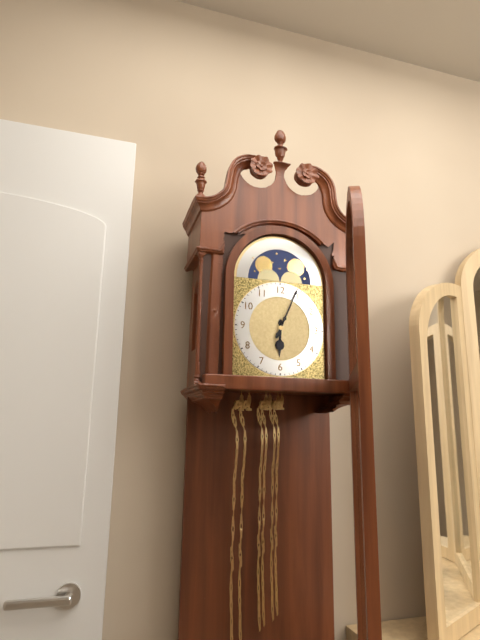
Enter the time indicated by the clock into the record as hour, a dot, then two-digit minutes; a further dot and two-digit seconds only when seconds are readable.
6.04
